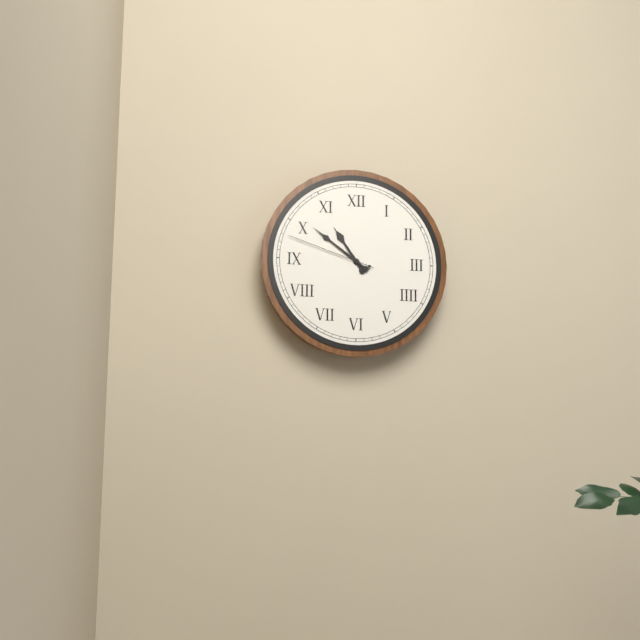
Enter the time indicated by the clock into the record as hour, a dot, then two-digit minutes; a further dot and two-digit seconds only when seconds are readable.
10.51.48
